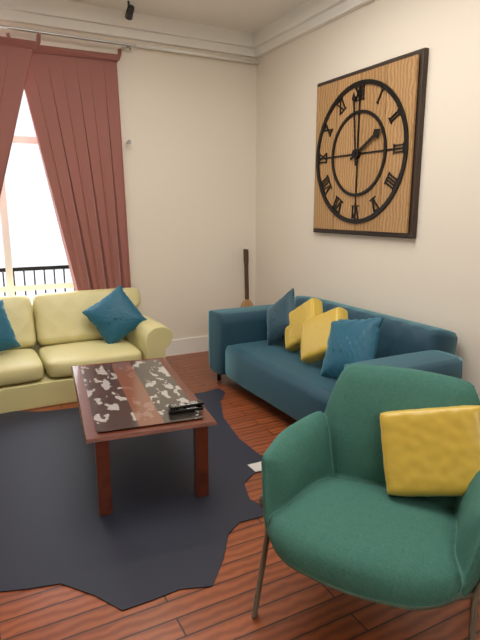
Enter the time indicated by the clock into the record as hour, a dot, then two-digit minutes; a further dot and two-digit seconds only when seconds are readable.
1.59
